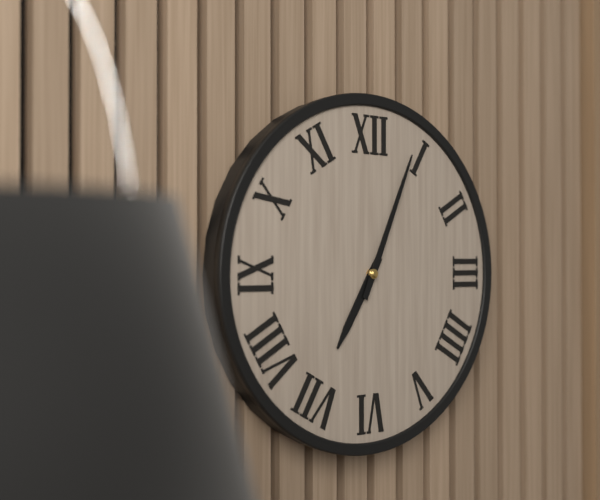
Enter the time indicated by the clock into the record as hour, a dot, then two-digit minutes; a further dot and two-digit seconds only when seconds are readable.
7.04
